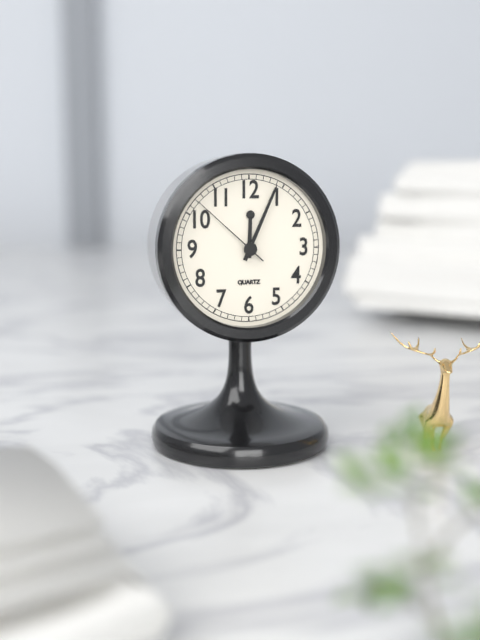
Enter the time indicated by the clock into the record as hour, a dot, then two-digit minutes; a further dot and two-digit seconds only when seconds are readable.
12.04.52
